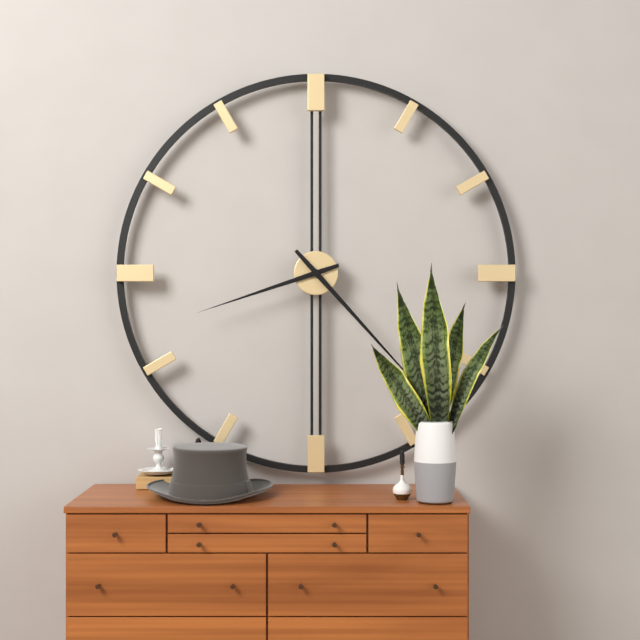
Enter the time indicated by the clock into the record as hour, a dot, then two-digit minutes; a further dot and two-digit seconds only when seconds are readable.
8.23
